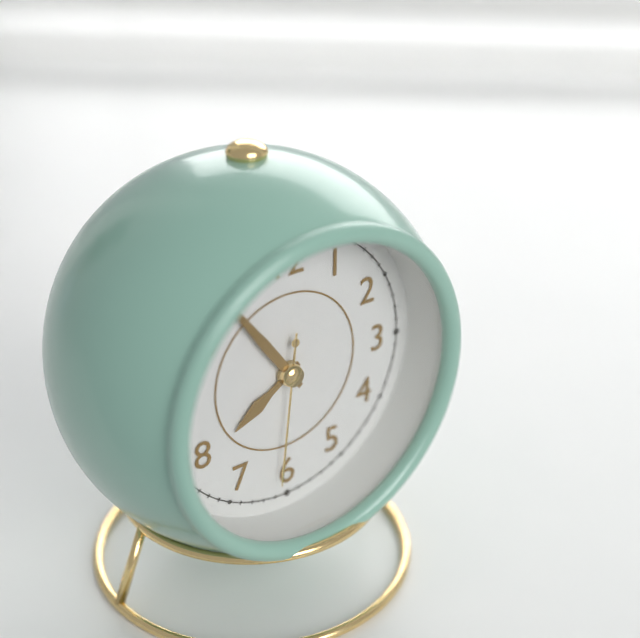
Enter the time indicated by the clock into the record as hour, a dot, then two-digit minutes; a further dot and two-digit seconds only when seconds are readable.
7.54.31
